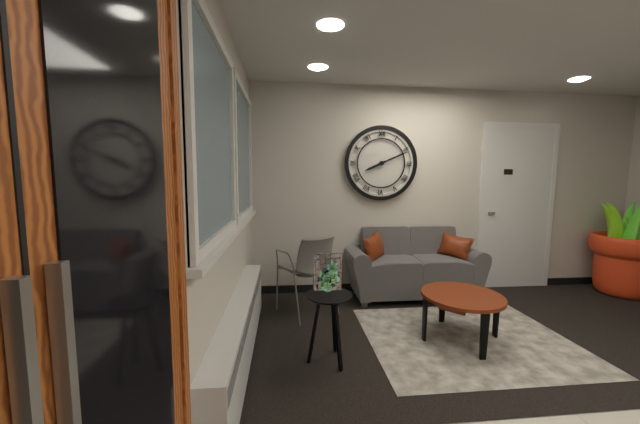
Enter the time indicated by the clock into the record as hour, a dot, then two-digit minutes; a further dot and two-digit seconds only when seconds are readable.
8.11
